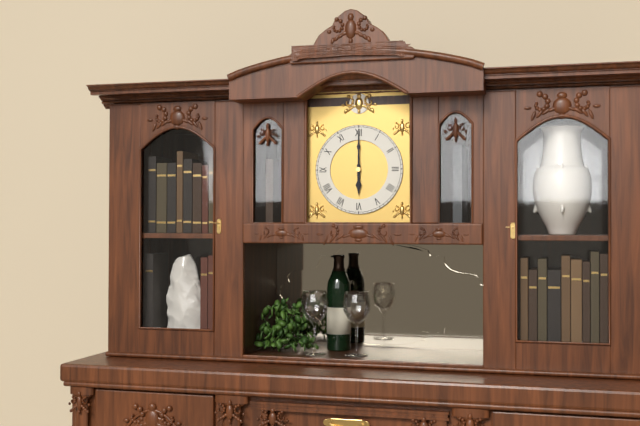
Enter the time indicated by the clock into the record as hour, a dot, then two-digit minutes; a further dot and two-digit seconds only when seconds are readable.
6.00
